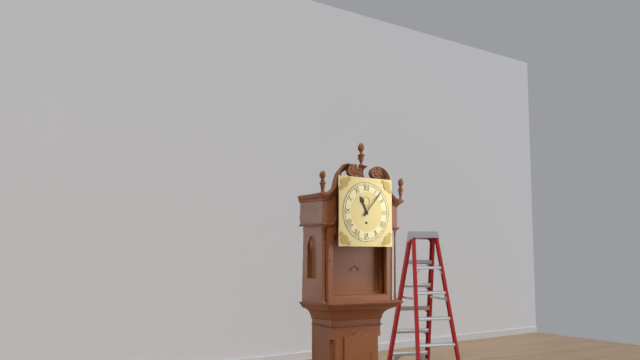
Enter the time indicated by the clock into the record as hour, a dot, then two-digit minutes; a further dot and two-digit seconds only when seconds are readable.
11.07
